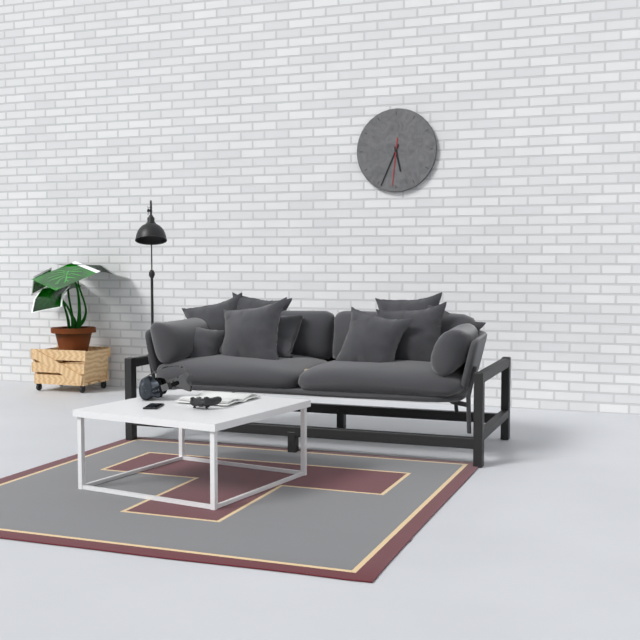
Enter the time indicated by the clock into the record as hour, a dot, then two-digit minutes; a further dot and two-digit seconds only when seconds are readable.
5.34
